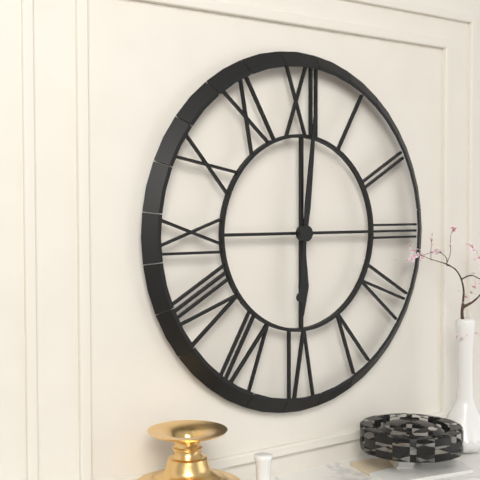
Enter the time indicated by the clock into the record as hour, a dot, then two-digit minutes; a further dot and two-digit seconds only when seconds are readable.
6.01
